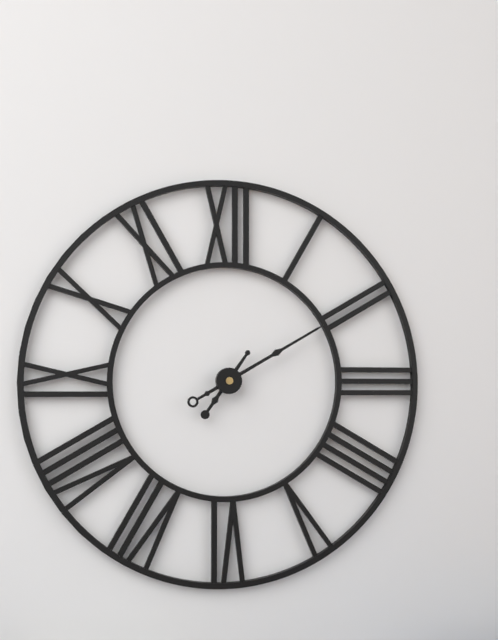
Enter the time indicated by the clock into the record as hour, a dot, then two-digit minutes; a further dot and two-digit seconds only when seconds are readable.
7.10
